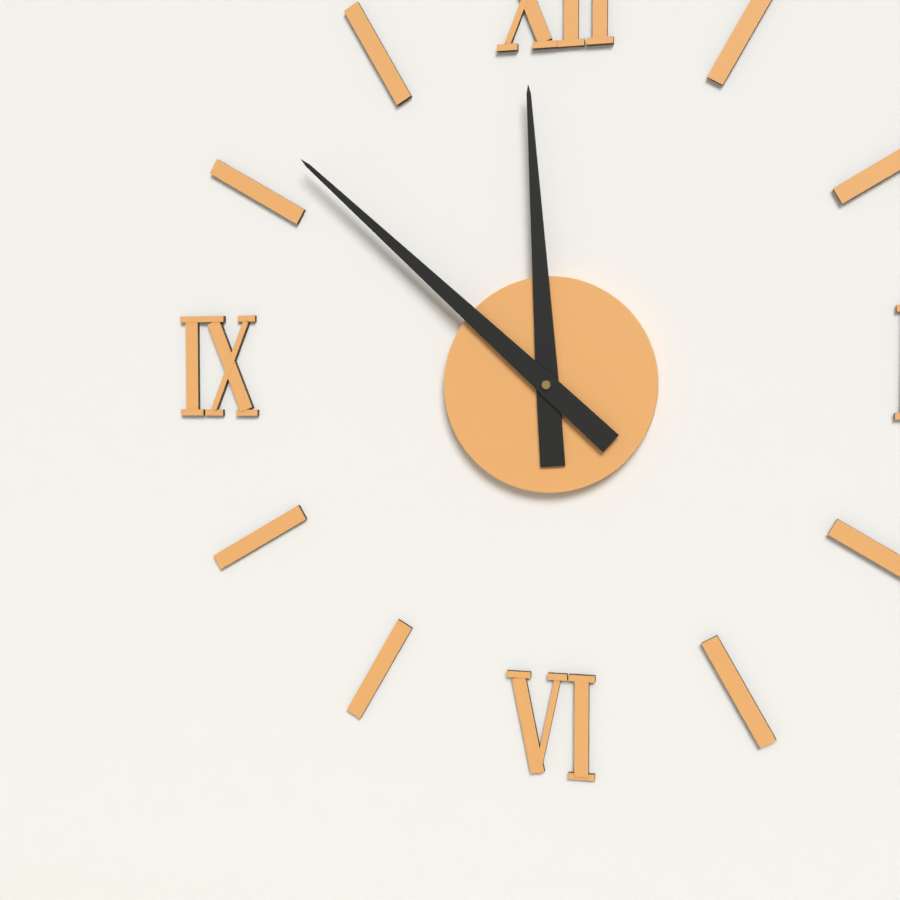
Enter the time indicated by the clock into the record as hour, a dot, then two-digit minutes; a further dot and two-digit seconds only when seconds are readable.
11.52
